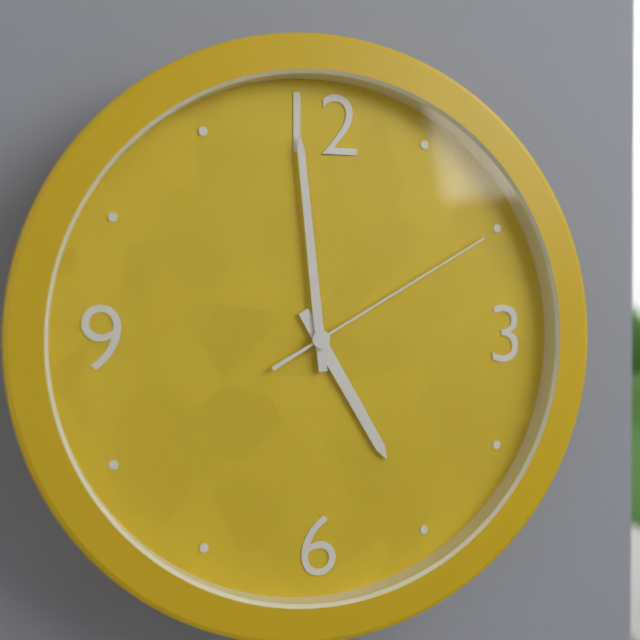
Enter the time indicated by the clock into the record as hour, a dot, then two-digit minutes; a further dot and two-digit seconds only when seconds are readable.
4.59.10
